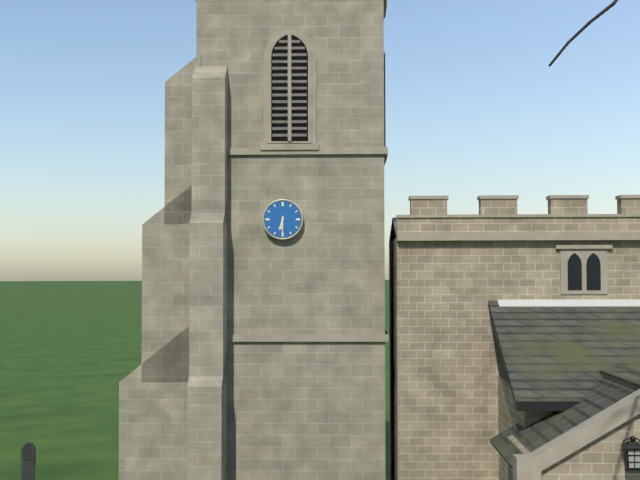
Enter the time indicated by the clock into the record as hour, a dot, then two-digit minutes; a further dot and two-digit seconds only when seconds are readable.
6.30
